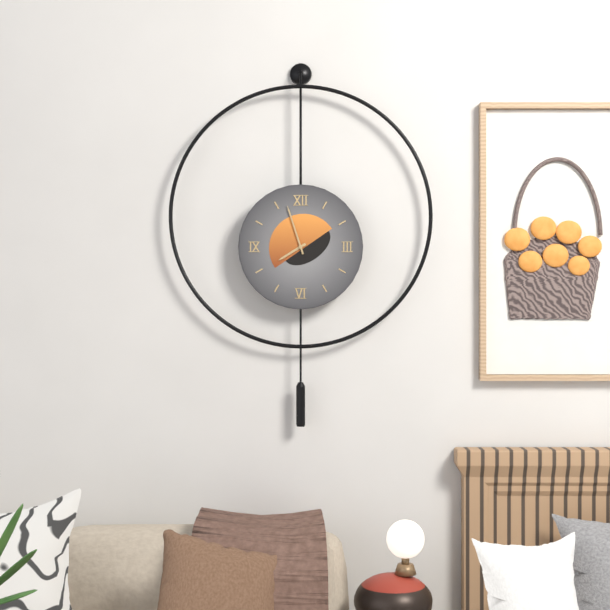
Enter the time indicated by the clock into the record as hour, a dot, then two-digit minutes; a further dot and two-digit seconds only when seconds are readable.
7.57
